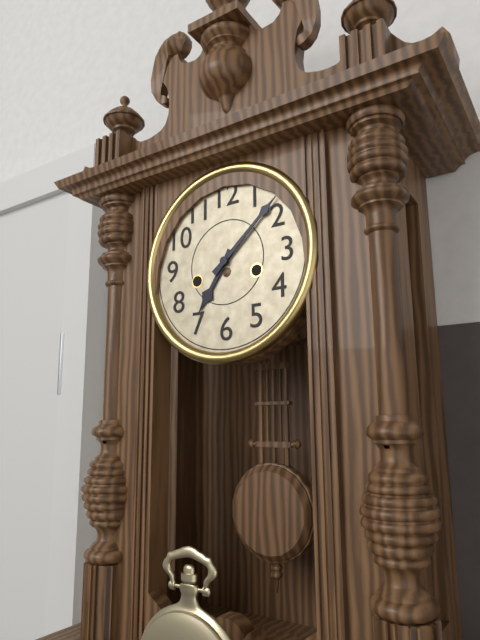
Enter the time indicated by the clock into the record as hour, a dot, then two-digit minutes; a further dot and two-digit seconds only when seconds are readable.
7.08
